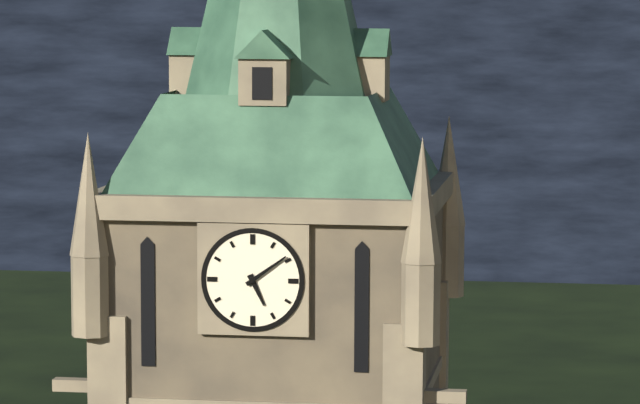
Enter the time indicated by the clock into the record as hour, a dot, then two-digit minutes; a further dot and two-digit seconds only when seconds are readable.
5.09
